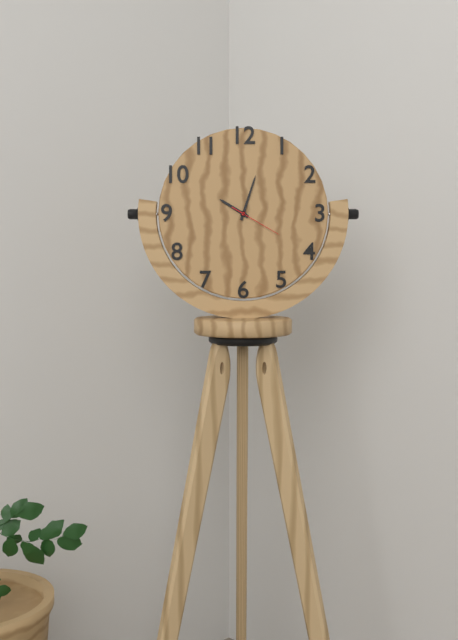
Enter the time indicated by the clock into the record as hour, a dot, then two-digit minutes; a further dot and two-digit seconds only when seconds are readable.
10.03.20
